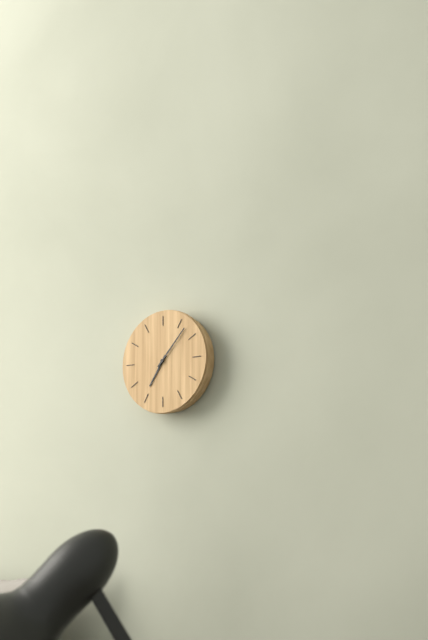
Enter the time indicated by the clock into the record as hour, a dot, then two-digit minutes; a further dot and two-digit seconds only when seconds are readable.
7.07
